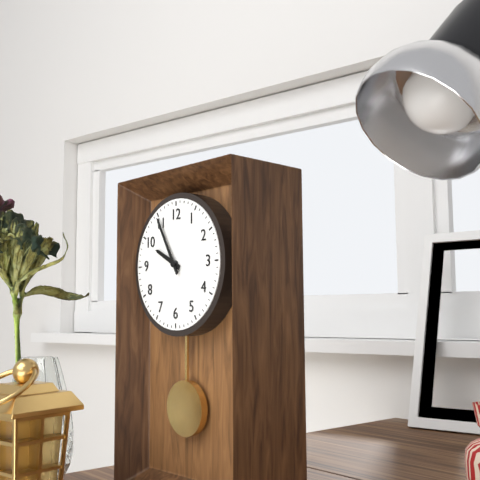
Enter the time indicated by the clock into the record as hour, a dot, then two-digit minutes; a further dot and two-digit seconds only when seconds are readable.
9.55
